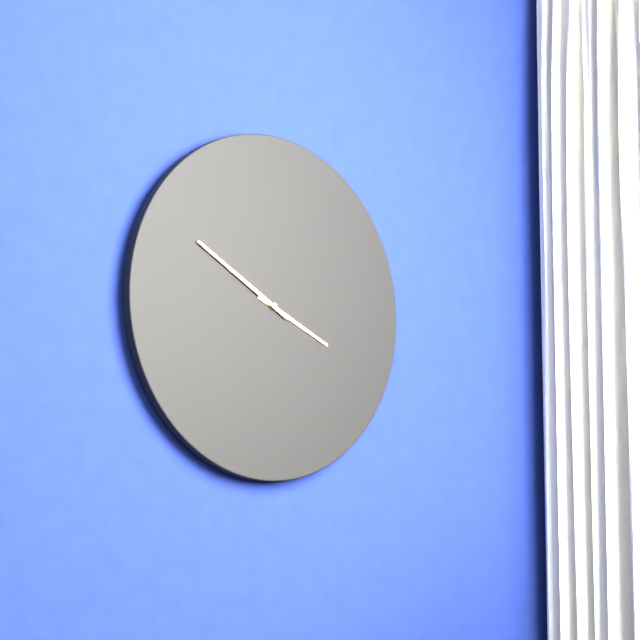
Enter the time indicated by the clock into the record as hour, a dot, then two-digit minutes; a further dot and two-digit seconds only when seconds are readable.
3.50
